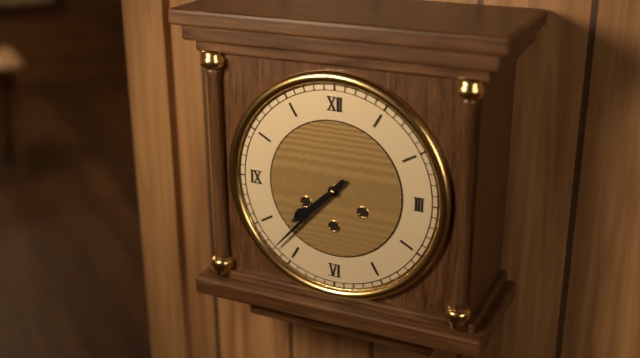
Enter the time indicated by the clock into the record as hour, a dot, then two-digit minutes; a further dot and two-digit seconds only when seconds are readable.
7.37
